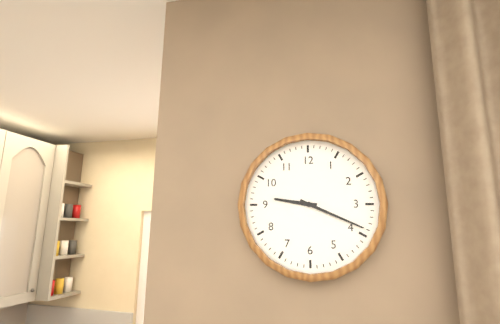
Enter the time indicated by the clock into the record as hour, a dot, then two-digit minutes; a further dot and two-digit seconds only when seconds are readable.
9.19
